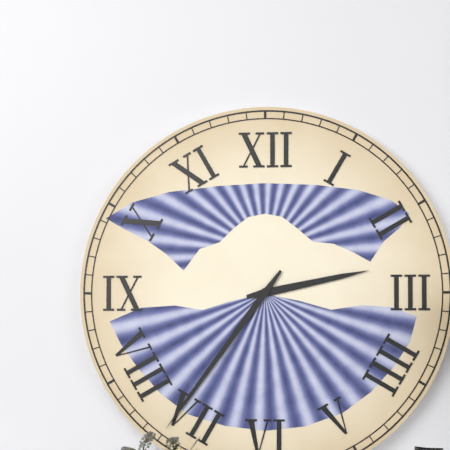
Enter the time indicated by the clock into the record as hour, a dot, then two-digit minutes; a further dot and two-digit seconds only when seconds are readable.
2.36
